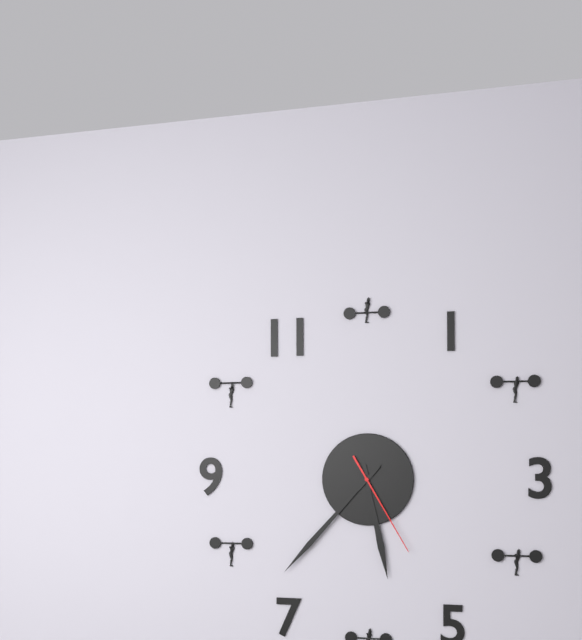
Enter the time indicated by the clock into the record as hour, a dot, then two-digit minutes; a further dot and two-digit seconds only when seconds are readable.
5.37.25
